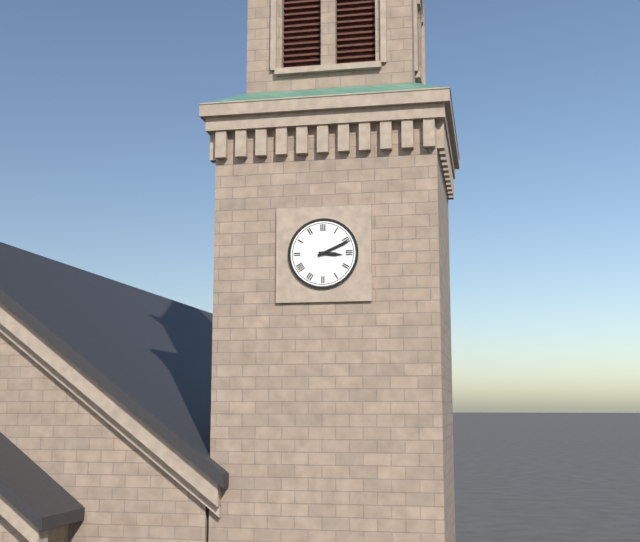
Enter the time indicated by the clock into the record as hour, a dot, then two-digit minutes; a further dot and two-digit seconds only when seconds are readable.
3.11
